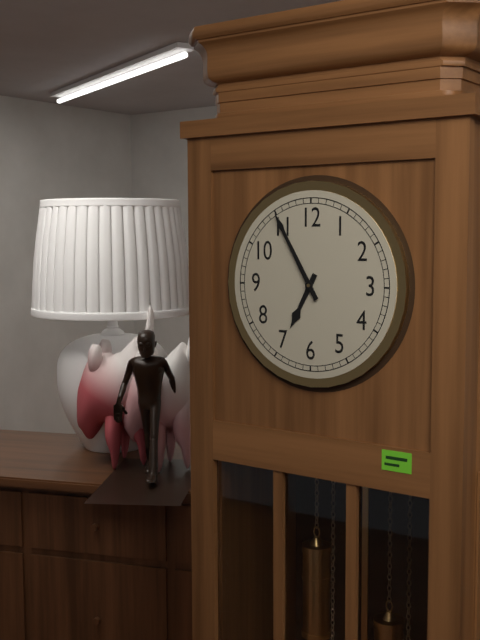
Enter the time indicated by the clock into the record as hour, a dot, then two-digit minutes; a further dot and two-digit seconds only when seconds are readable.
6.55
